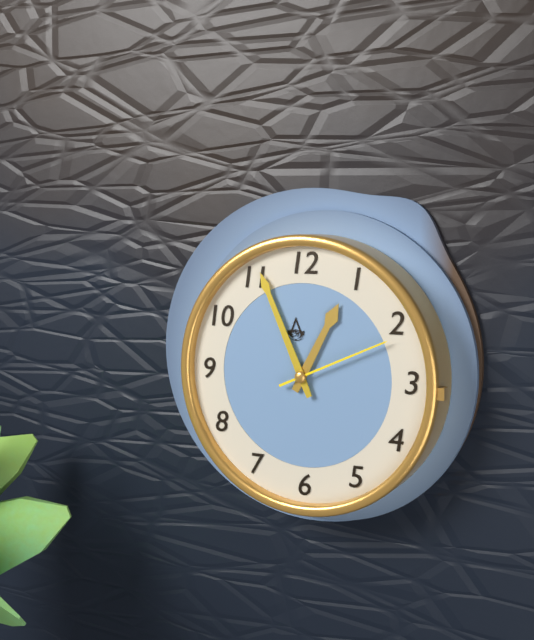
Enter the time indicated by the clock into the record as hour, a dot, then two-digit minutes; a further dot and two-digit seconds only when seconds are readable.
12.56.11
